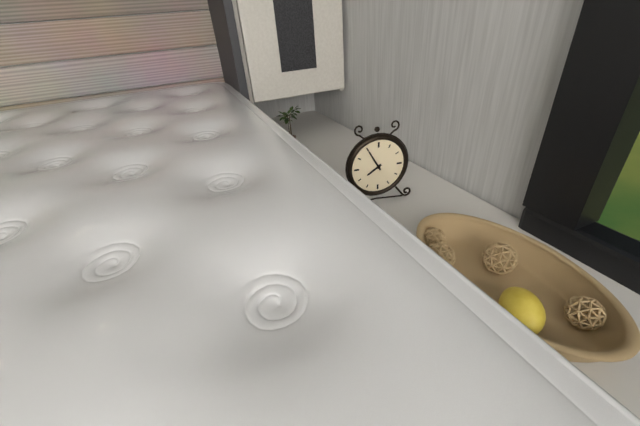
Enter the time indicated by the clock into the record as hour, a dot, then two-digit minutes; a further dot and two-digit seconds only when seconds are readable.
7.55
